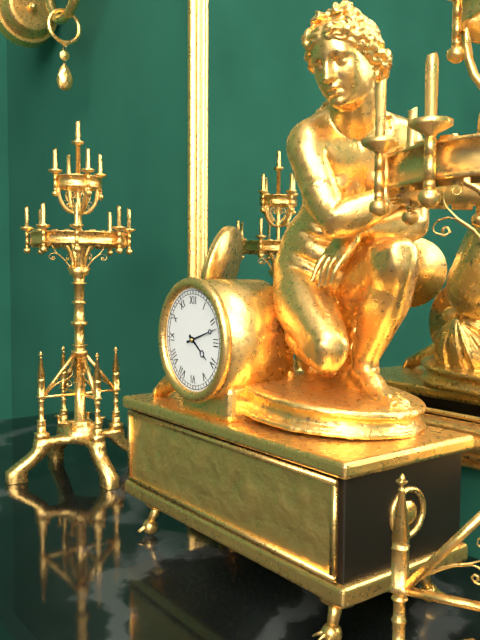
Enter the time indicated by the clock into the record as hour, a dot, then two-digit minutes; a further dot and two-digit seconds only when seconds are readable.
4.12
